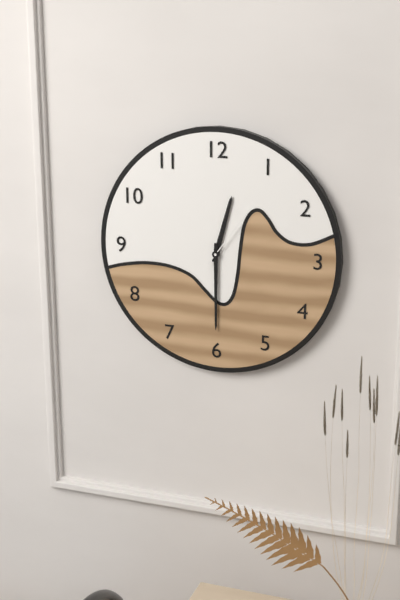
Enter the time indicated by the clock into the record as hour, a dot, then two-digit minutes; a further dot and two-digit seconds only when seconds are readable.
12.30.06
